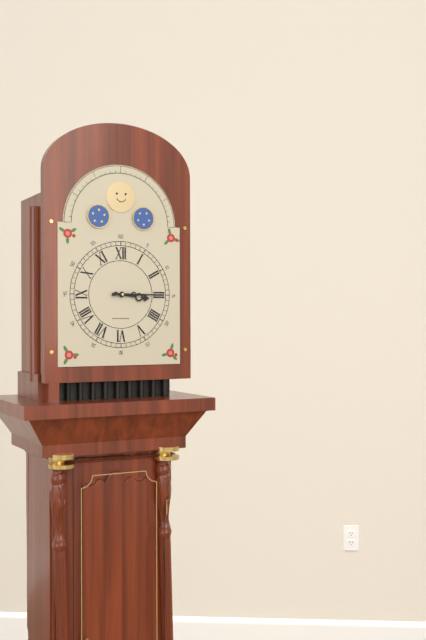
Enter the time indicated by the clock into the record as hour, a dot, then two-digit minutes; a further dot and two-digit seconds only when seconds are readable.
3.15
